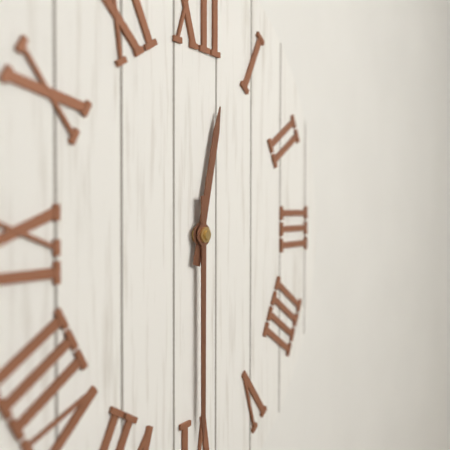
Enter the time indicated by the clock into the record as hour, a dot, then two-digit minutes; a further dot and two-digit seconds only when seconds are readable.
12.30
